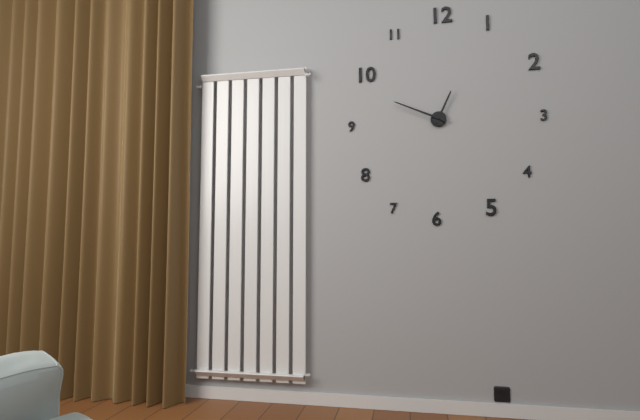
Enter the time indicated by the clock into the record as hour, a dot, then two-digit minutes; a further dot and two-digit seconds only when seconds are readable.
12.49
